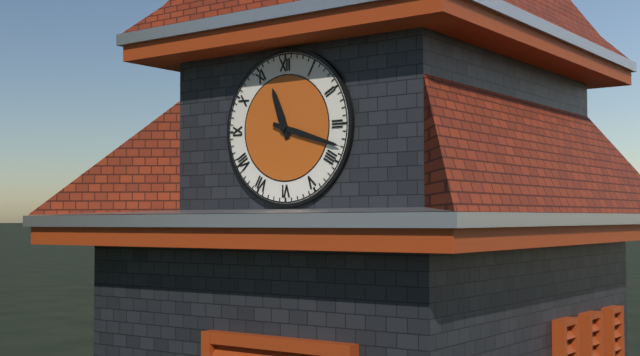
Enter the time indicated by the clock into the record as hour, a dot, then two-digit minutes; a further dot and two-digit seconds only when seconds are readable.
11.18
